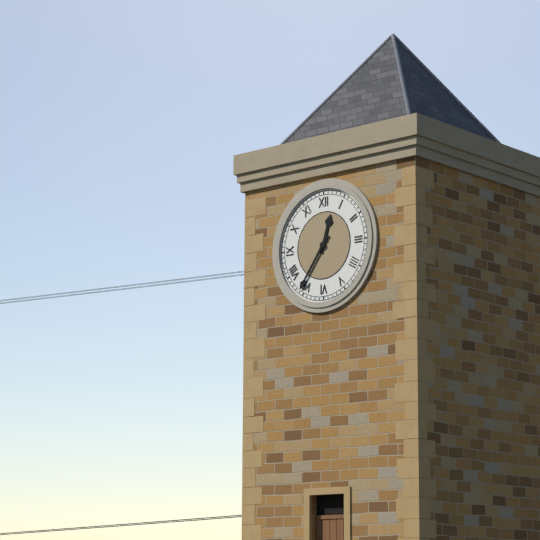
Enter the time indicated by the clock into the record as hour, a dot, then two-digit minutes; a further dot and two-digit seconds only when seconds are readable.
12.36
